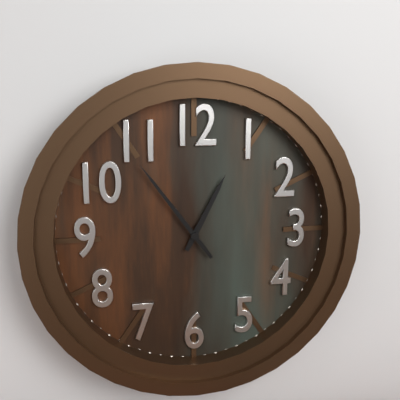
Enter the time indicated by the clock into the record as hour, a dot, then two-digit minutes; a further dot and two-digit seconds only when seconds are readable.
12.54
